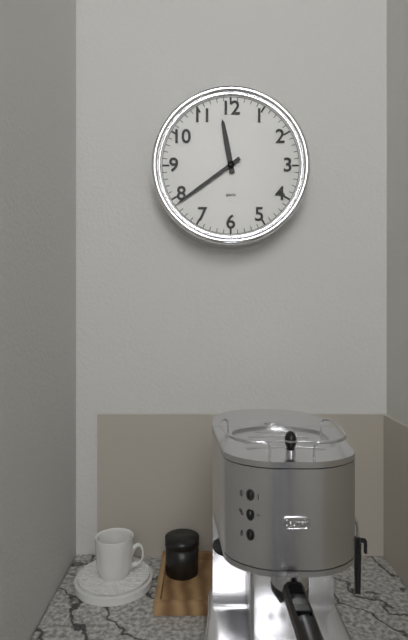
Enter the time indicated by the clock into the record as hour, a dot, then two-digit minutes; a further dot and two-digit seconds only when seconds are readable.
11.39
